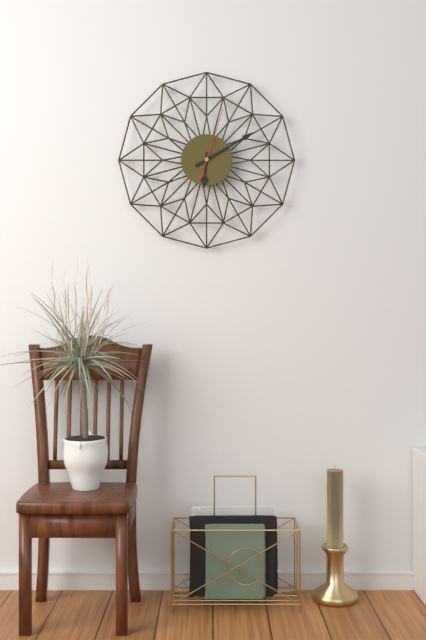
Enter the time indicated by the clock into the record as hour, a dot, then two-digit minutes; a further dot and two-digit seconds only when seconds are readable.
6.10.03
